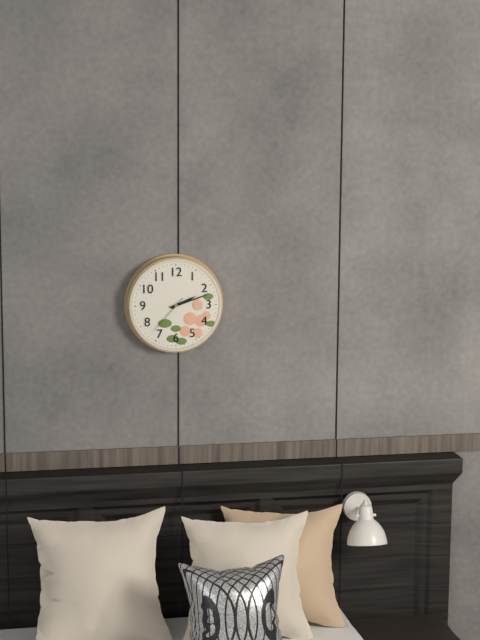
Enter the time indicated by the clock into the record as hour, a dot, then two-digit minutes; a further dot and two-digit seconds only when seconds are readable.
2.12
